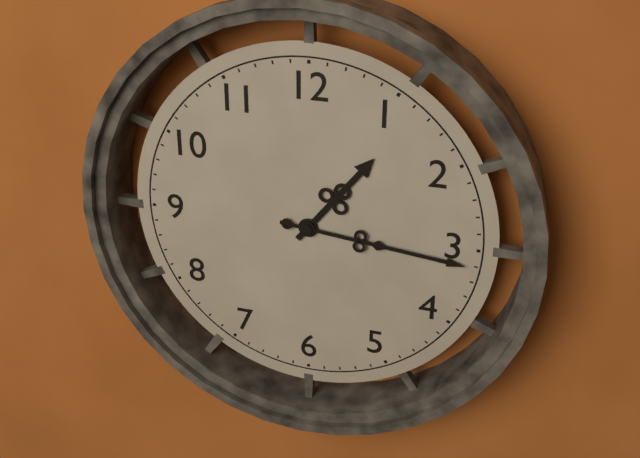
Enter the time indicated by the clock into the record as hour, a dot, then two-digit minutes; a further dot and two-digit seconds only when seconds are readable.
1.16
